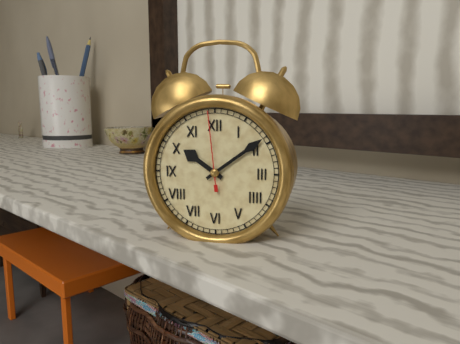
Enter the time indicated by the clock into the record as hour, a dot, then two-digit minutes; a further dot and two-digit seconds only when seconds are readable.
10.09.59
